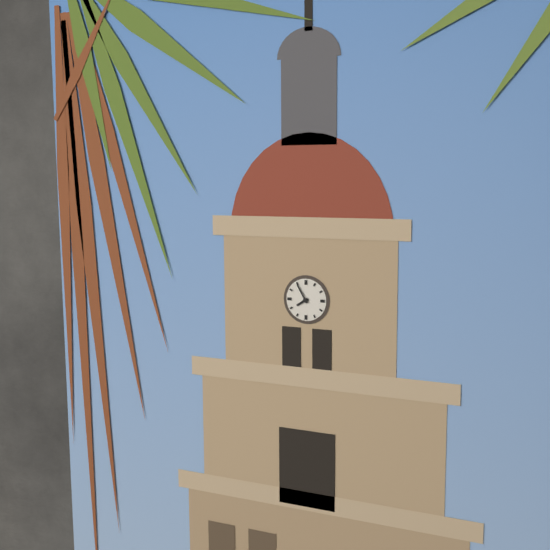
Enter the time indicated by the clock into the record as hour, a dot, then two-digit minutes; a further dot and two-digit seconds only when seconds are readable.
7.55
